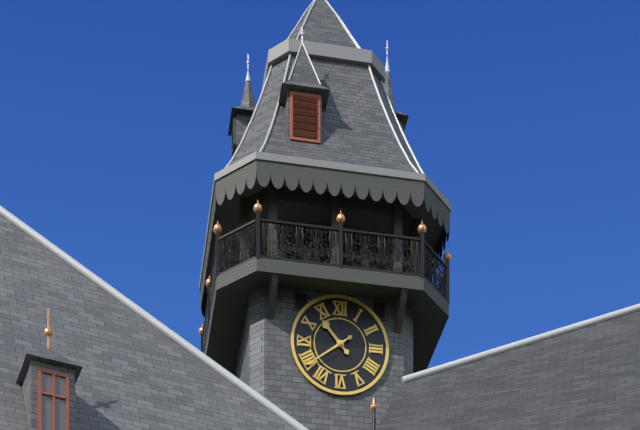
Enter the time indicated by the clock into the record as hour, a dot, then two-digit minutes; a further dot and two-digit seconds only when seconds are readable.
10.39
